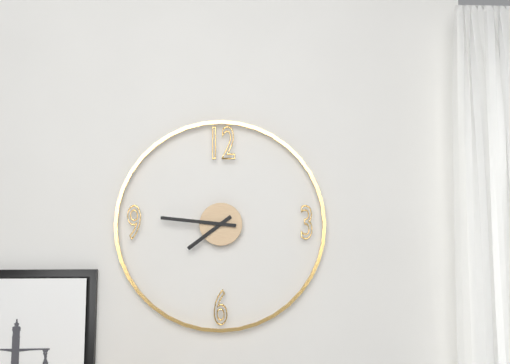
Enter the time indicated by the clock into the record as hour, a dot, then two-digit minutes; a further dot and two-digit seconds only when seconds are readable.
7.46
